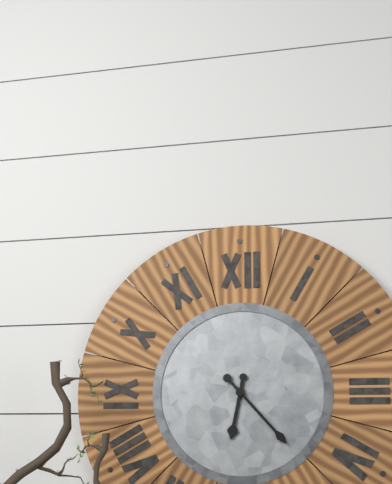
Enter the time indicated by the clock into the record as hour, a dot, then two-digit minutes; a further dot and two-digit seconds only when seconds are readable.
6.23
